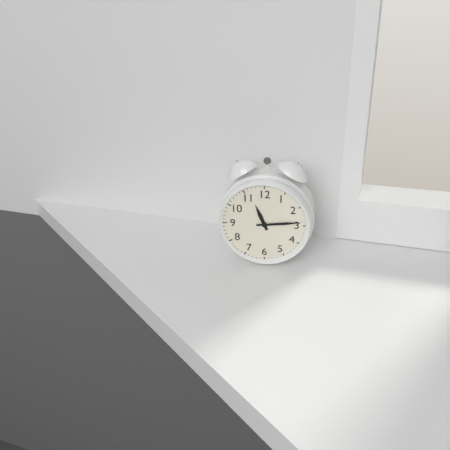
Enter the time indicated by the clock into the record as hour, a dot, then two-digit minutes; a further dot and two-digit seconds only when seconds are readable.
11.14
